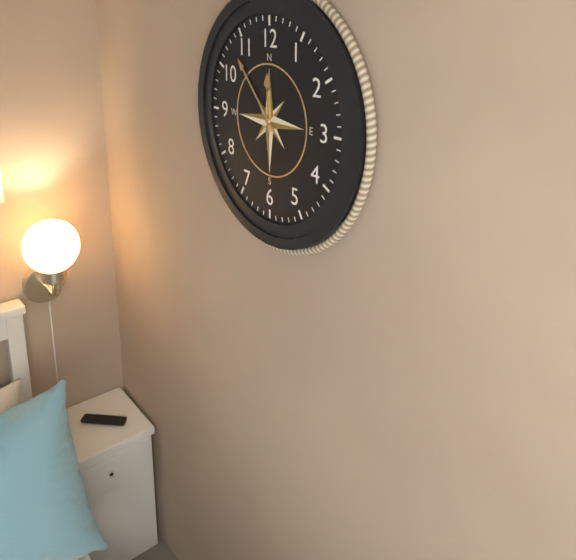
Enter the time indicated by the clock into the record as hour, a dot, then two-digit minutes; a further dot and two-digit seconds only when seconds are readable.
11.53
